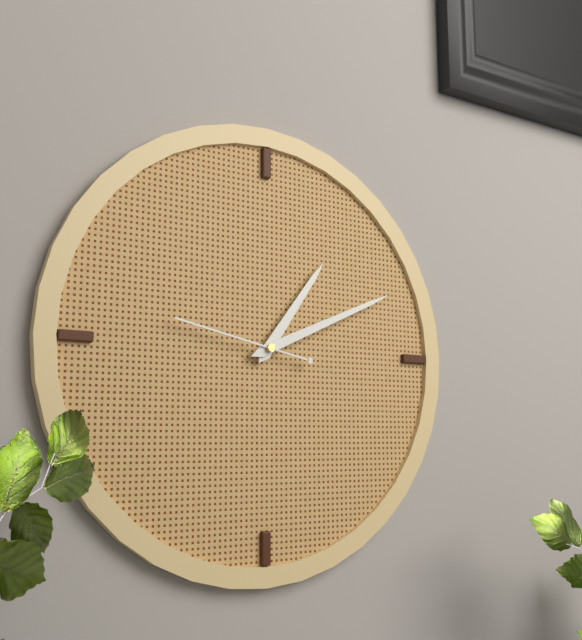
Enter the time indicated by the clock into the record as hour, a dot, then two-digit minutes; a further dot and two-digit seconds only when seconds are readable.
1.11.47
